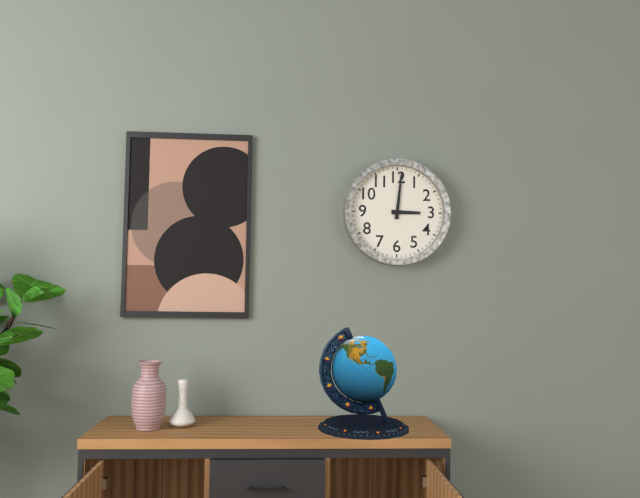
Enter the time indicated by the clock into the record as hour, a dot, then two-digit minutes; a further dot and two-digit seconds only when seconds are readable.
3.01
